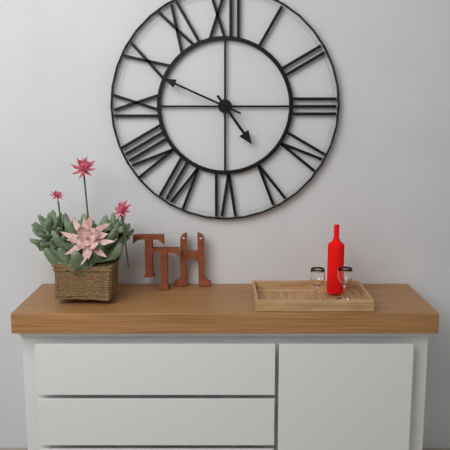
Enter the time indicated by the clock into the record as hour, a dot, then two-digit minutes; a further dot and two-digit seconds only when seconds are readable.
4.49
